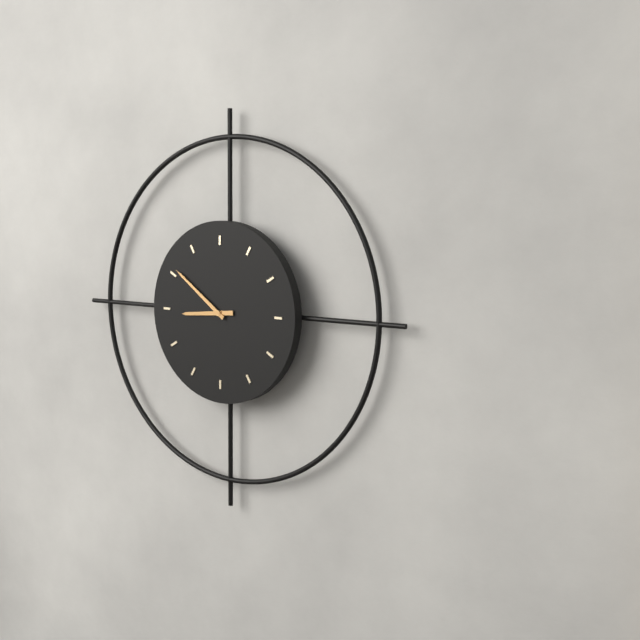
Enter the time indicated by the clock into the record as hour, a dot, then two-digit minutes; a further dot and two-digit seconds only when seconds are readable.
8.51
